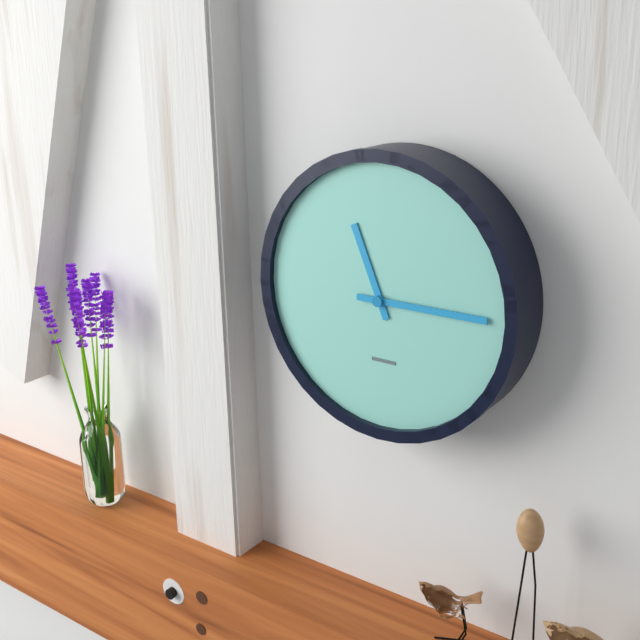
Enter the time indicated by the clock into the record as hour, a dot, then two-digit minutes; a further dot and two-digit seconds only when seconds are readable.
11.15
